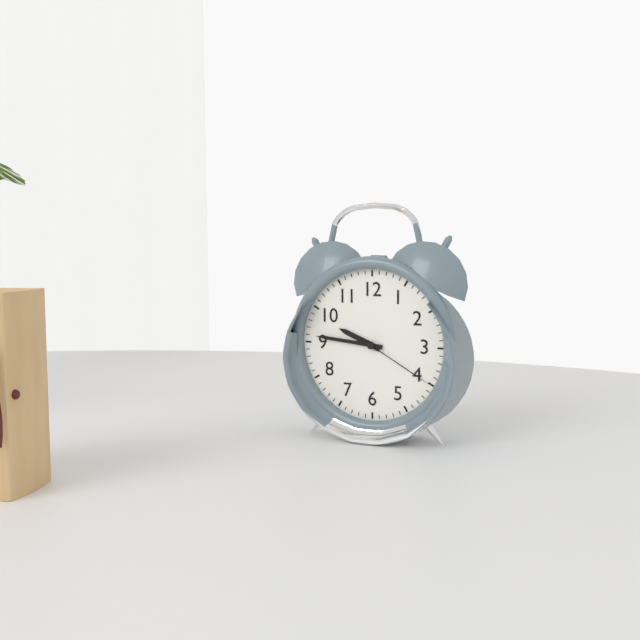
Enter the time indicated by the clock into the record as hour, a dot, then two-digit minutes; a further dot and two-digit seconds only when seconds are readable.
9.46.20
